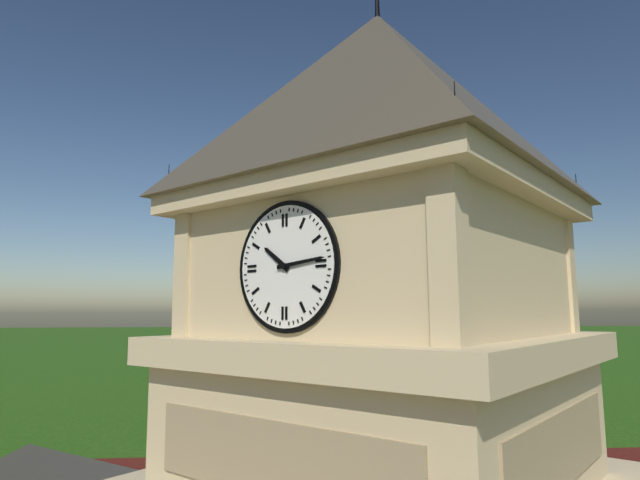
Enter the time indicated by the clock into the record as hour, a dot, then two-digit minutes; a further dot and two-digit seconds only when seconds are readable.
10.14
